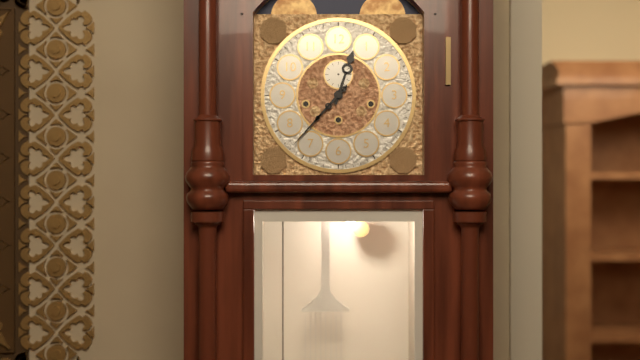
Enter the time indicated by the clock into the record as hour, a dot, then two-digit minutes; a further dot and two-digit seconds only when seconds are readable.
12.37
